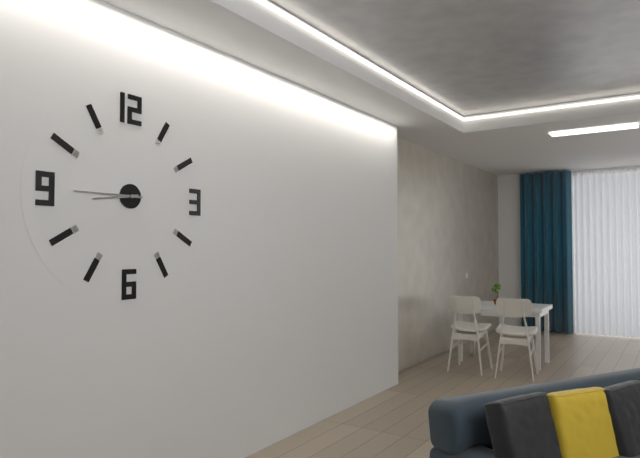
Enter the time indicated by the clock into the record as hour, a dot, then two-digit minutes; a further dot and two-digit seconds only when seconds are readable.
8.45
